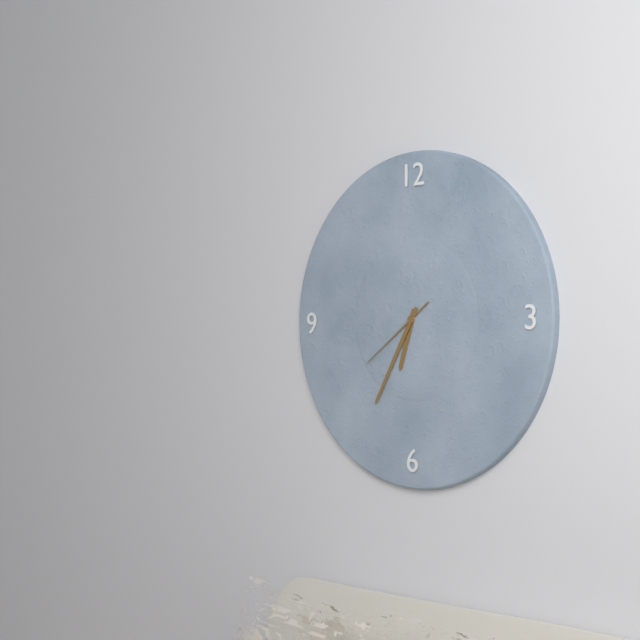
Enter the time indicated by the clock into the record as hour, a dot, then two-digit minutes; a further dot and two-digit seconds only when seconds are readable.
6.35.39
